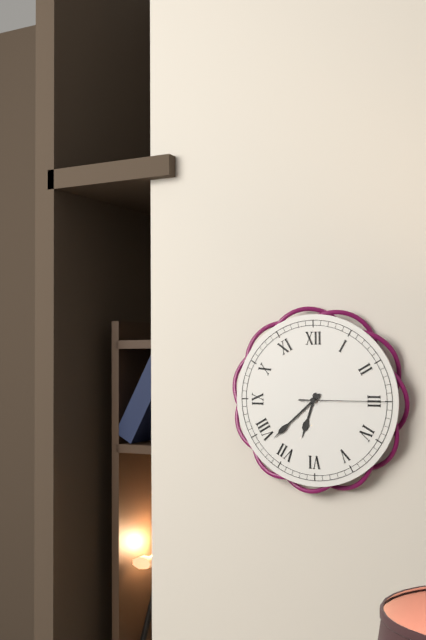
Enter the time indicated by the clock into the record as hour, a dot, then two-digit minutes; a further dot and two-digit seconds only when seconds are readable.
6.38.15
